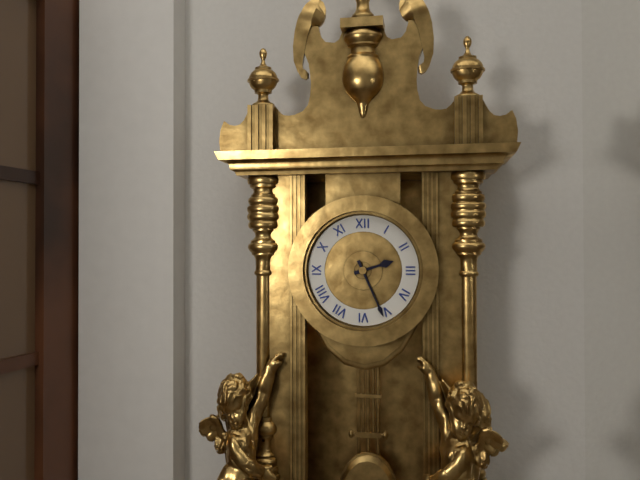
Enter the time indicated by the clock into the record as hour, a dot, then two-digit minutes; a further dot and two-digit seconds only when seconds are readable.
2.26
